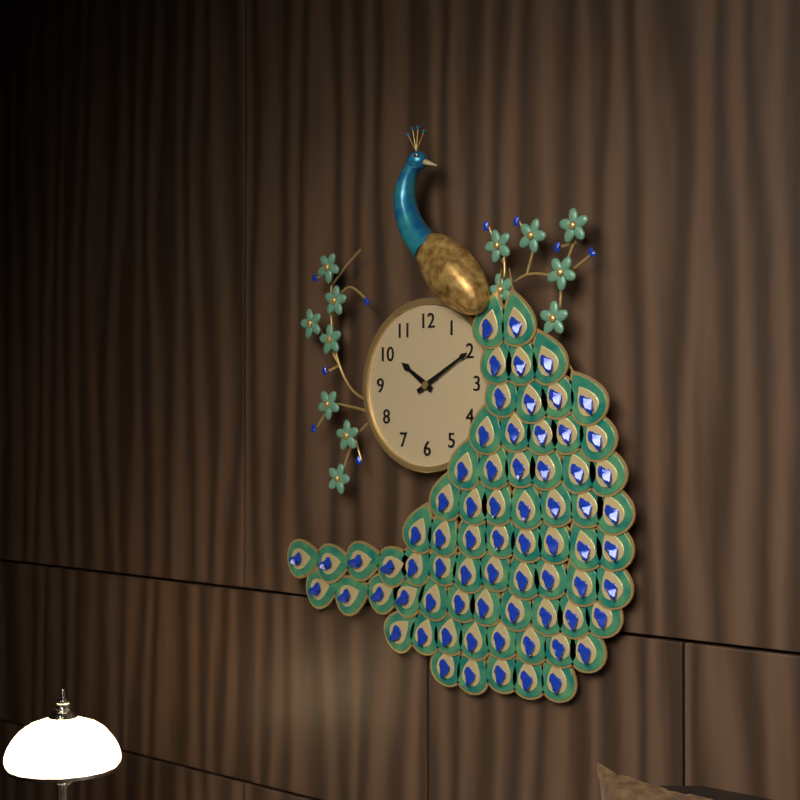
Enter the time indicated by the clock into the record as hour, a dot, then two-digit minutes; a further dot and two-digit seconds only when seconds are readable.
10.10
